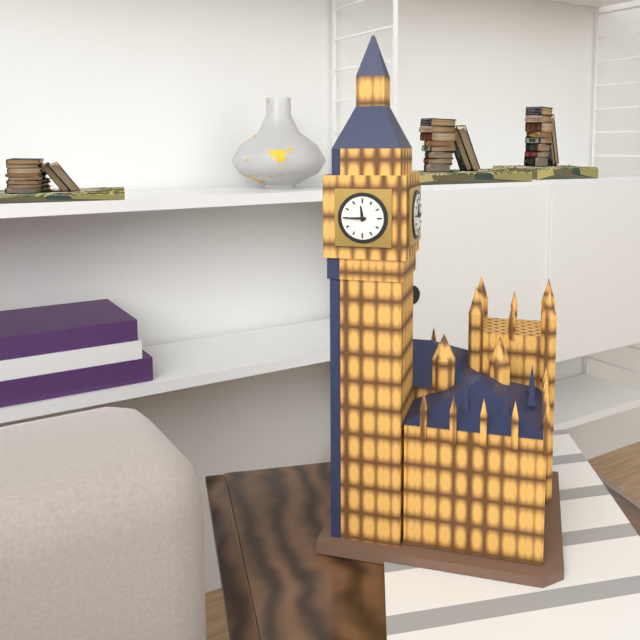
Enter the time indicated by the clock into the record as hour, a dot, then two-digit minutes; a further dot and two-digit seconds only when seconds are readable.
11.45
